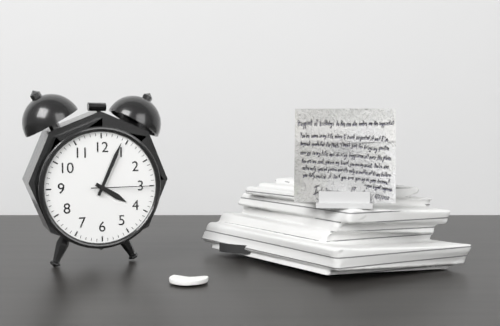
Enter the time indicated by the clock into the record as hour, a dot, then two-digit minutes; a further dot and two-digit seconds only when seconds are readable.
4.04.15
